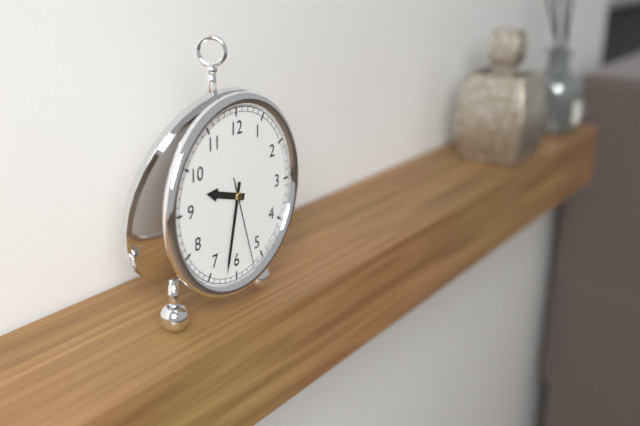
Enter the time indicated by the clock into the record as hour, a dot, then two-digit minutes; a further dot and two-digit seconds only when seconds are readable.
9.32.27
